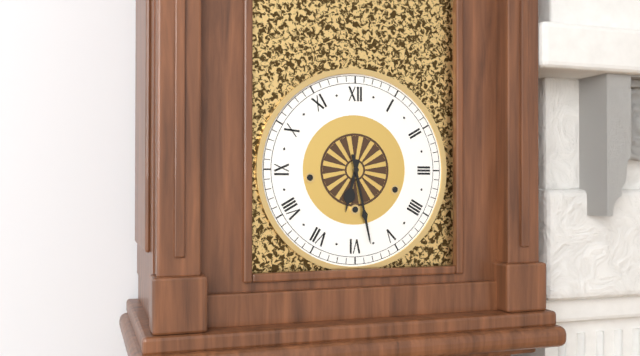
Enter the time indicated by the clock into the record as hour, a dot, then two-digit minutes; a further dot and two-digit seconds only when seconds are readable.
6.28
